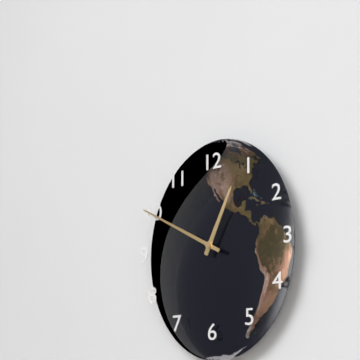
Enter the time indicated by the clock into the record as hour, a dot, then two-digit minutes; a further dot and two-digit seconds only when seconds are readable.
12.50
